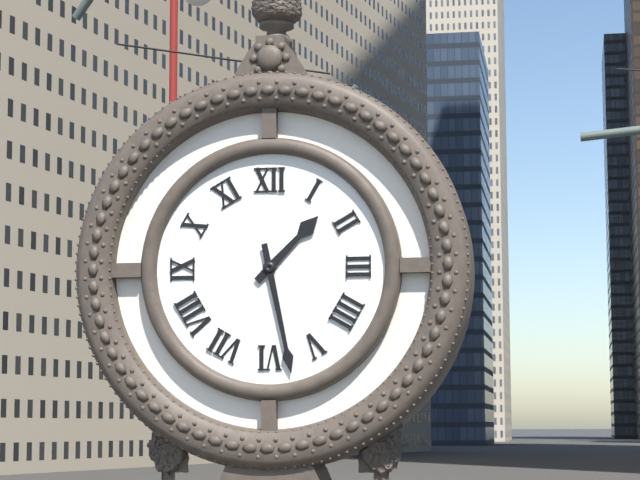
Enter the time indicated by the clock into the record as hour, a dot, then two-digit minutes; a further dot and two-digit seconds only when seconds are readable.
1.28
